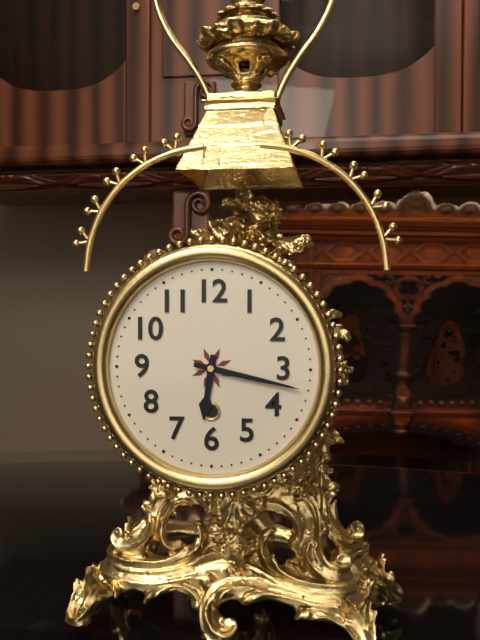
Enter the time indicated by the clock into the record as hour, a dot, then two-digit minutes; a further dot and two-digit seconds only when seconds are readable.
6.17
